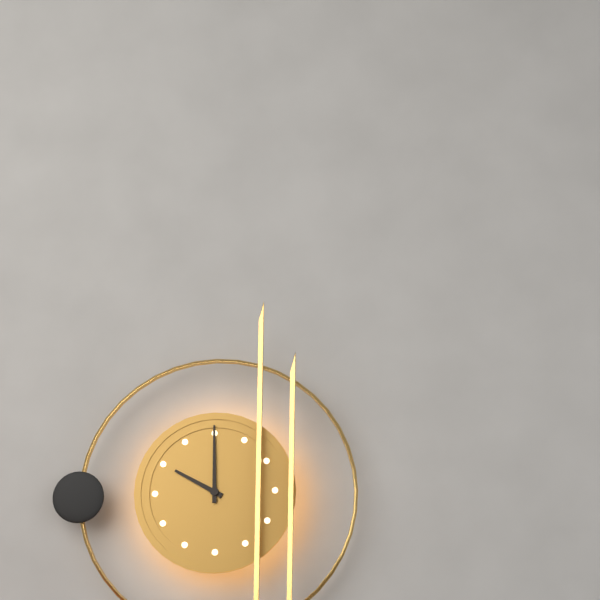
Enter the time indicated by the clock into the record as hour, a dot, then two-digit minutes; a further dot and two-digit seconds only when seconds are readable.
10.00
